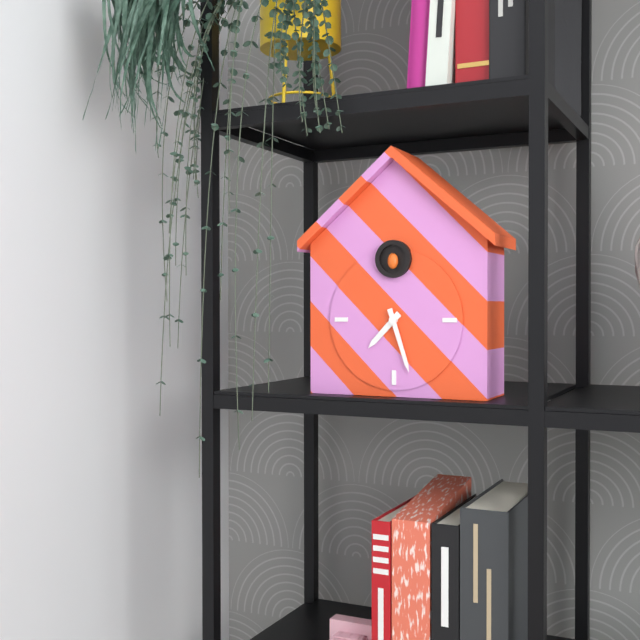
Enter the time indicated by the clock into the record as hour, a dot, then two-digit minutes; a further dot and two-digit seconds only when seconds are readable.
7.27
